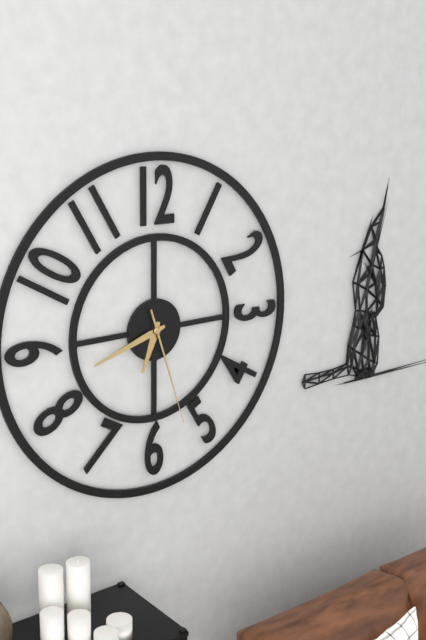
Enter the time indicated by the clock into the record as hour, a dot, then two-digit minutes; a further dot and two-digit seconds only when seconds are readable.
6.42.27
